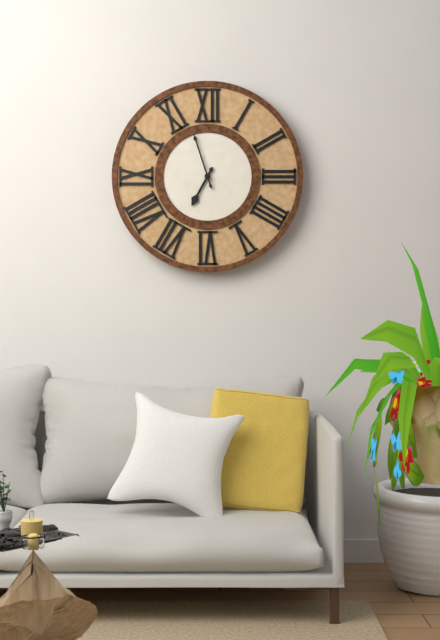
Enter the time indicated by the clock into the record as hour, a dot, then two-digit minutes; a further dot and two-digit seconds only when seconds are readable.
6.57
